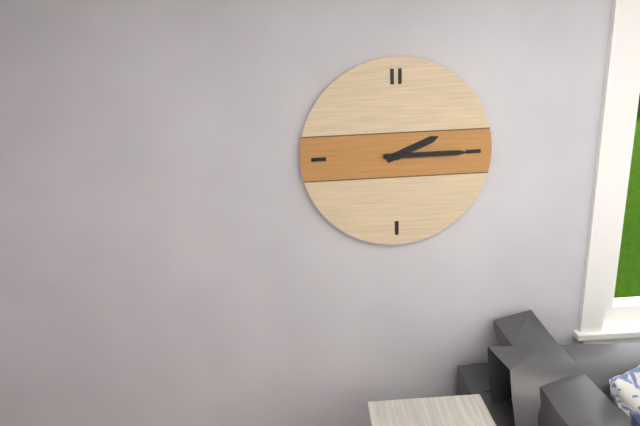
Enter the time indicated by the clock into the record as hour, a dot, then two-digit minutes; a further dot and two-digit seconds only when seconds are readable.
2.15
